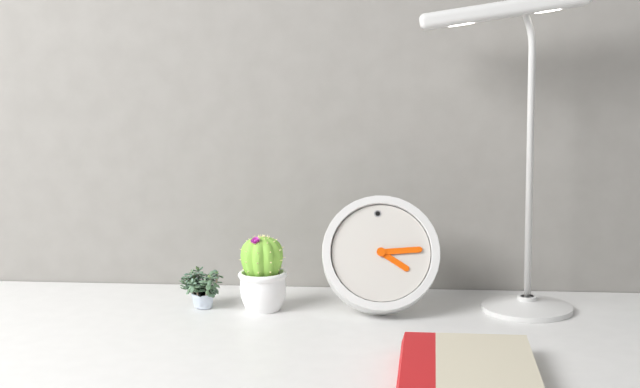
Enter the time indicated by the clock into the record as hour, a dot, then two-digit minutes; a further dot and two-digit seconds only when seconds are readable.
4.15
